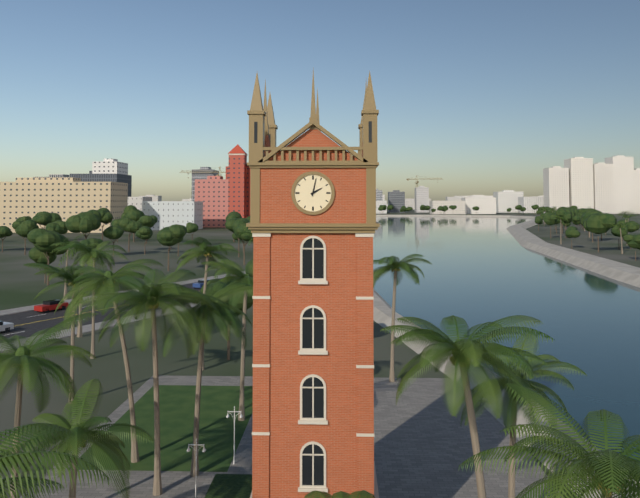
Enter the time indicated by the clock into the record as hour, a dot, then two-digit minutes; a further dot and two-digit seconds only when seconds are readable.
2.02
